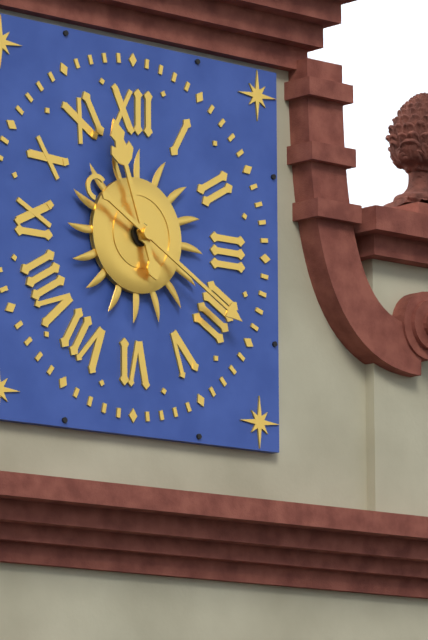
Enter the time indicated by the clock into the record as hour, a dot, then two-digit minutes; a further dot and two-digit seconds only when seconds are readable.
11.20
